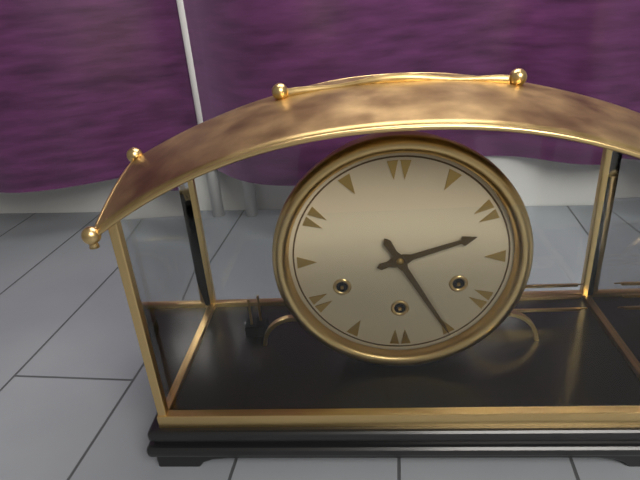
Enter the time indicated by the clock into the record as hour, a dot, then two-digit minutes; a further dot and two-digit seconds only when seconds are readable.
2.25
